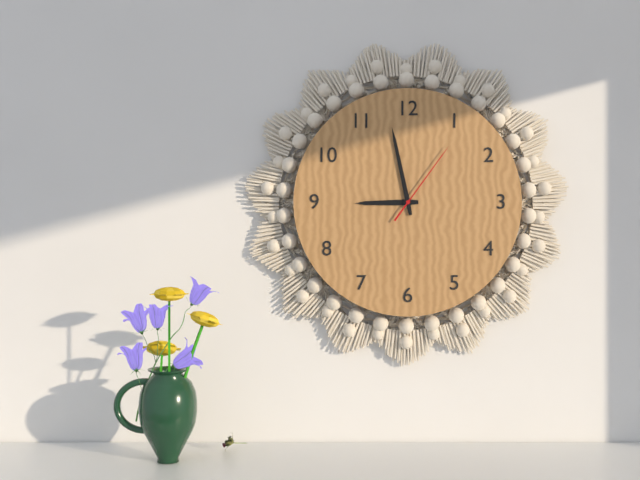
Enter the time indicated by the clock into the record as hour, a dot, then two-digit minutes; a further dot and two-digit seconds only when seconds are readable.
8.58.06
